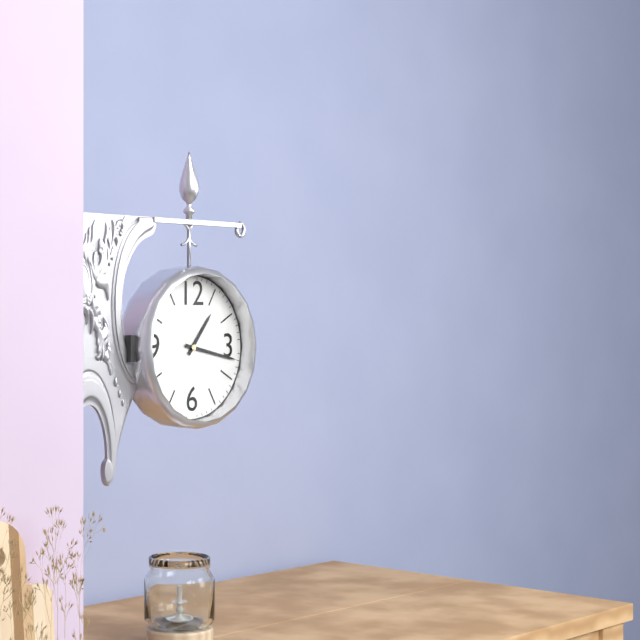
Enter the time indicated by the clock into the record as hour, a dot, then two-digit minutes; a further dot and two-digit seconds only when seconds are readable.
1.17
